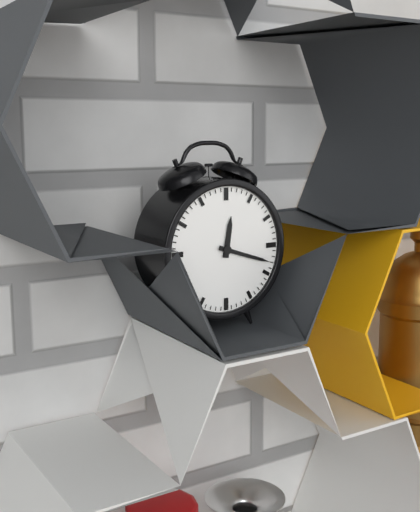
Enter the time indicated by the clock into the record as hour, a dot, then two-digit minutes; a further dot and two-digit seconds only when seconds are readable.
12.18
